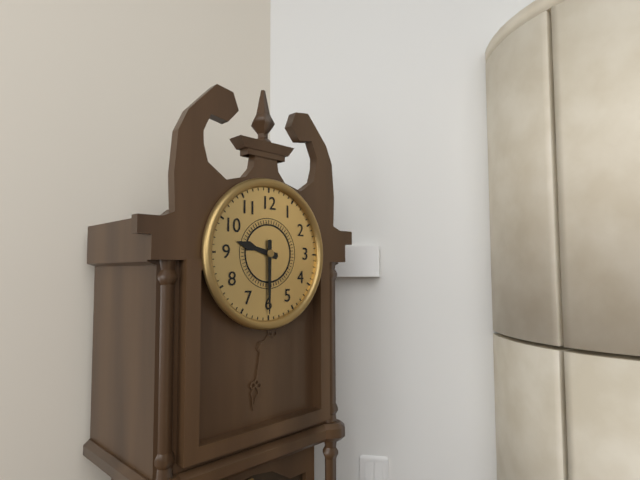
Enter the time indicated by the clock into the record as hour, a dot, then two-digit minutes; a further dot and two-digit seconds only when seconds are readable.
9.30
